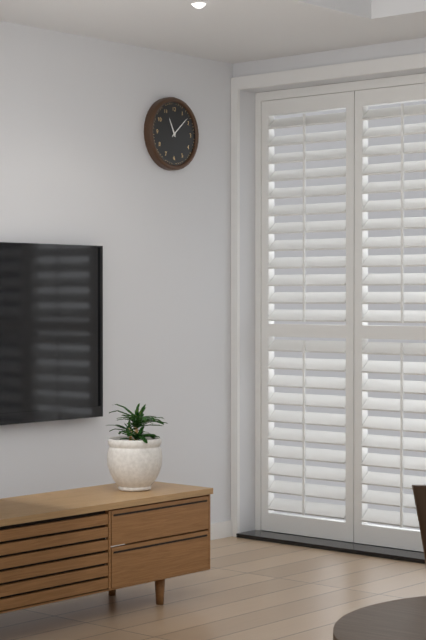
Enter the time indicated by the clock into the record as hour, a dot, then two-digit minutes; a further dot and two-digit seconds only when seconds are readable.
11.08
